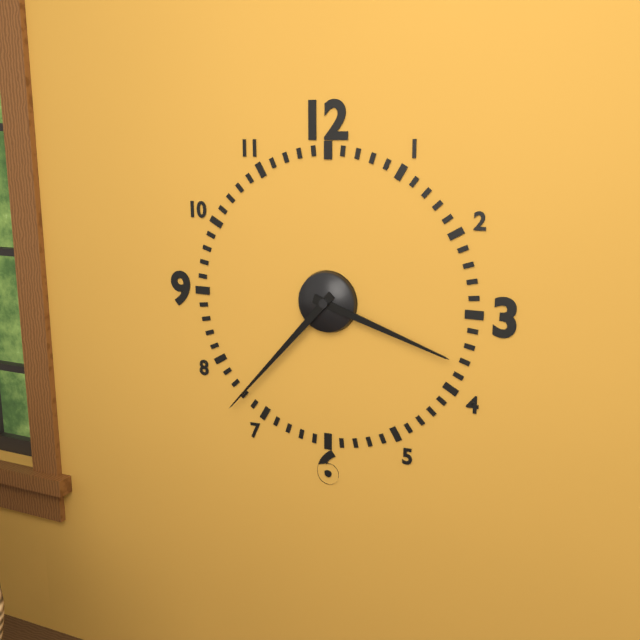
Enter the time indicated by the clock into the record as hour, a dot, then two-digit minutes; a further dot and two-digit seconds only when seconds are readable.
3.37
